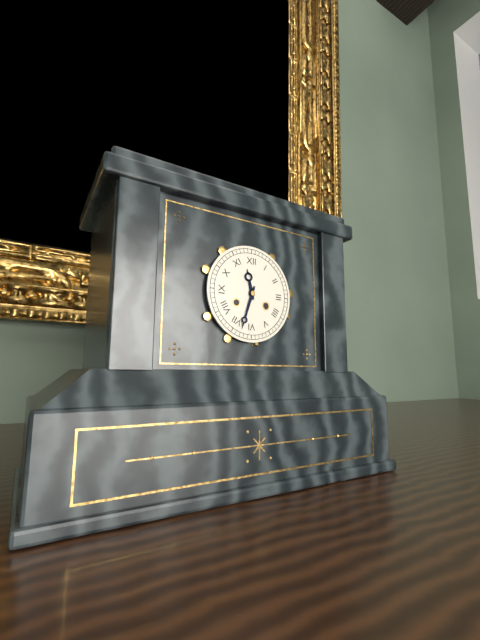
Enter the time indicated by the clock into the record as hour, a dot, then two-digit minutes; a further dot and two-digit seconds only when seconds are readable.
11.33
